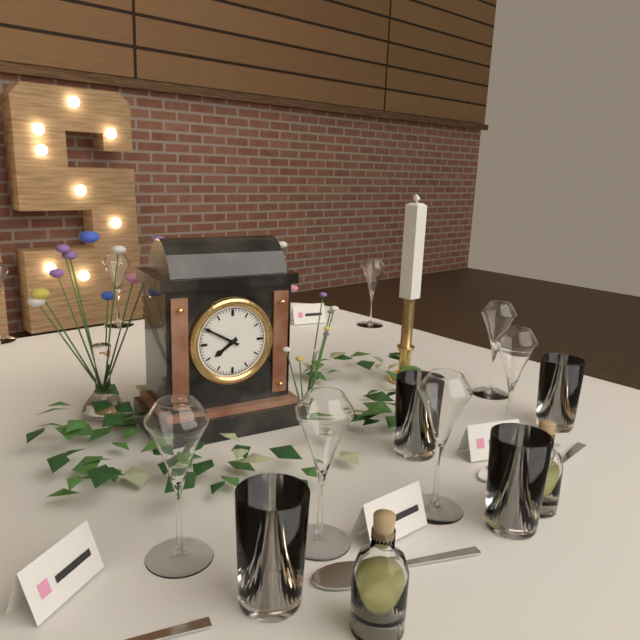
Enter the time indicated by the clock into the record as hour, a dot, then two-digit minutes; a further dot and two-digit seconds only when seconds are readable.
7.50
